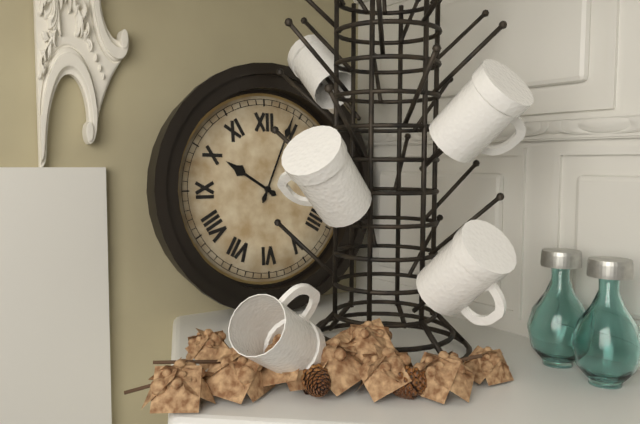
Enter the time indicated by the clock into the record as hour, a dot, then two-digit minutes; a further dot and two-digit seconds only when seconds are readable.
10.04
